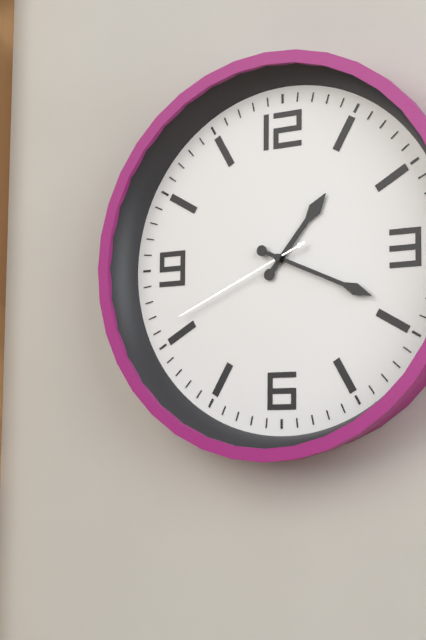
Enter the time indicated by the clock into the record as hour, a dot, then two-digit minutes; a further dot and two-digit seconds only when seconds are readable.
1.19.41
